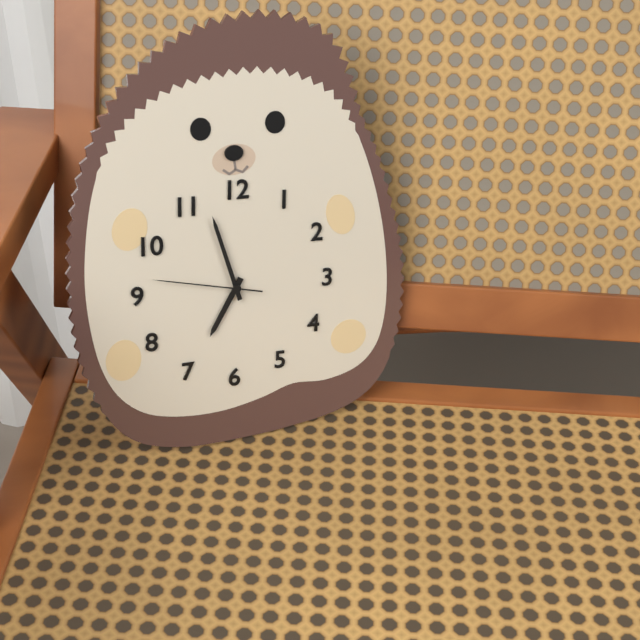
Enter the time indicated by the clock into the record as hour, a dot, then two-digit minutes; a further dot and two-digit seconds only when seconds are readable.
6.57.47
